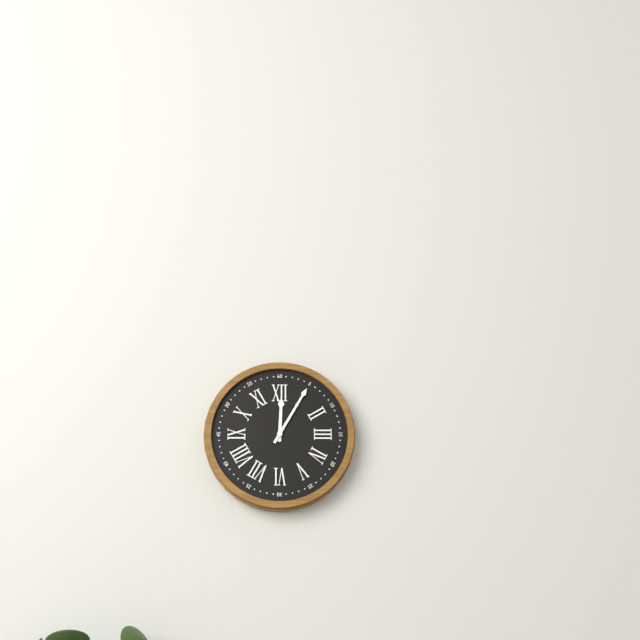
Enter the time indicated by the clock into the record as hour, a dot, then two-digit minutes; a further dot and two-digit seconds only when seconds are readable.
12.05
